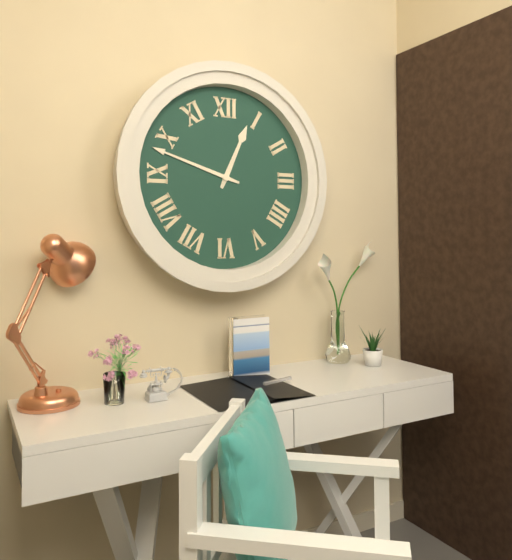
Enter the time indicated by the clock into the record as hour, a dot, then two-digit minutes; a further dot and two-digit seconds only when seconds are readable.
12.48
